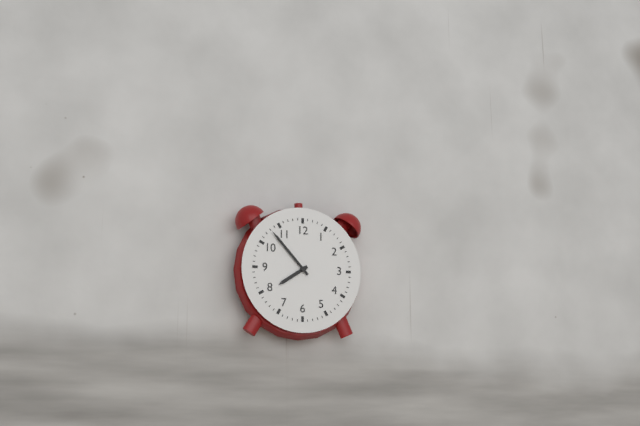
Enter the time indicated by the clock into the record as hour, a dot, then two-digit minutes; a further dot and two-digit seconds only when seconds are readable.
7.53
